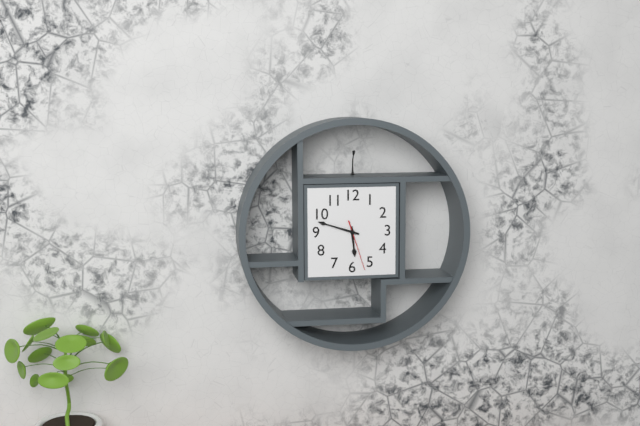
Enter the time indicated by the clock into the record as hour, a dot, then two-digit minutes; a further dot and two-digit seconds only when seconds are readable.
5.48.27
